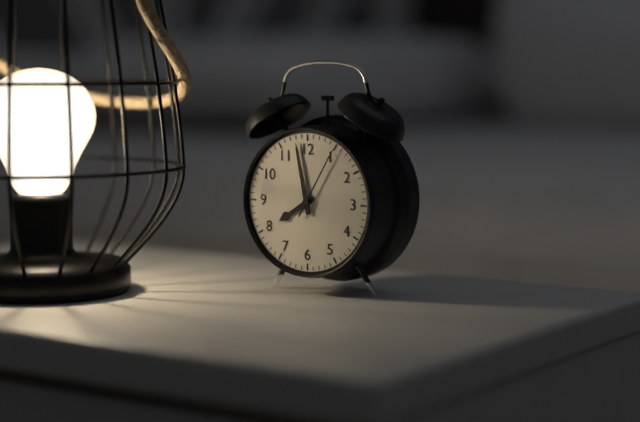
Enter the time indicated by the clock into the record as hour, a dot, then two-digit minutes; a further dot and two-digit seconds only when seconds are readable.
7.58.05
